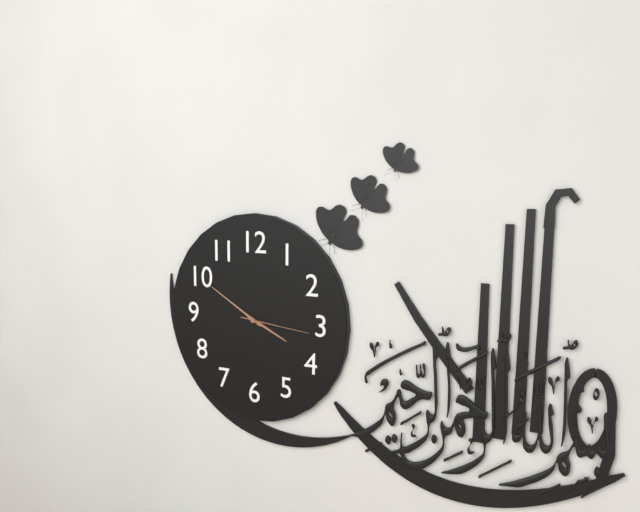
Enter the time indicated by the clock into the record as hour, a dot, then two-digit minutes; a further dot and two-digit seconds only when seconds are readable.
3.50.16
